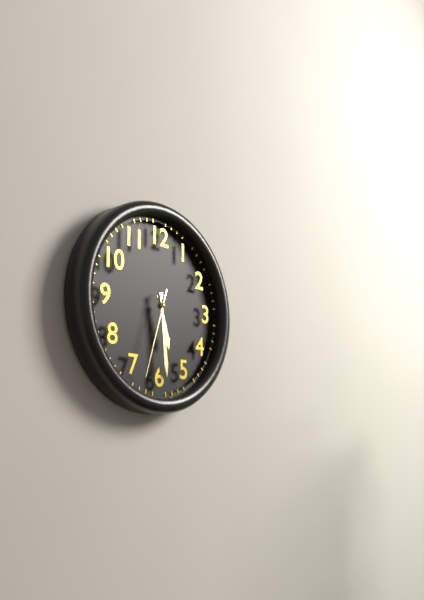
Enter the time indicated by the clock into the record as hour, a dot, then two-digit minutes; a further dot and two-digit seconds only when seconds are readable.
5.29.33
